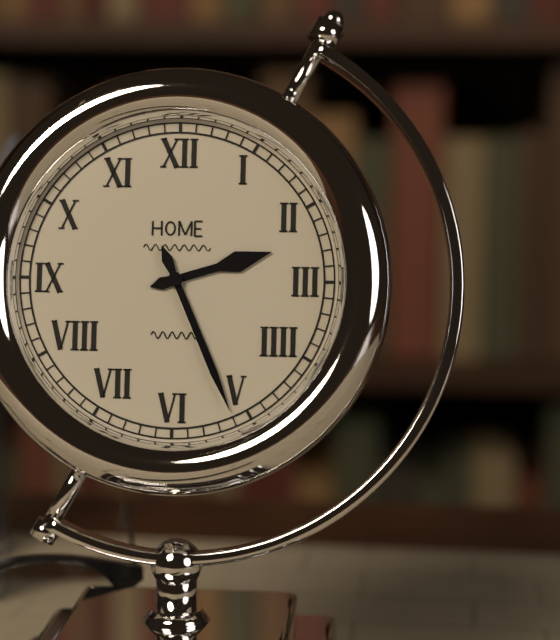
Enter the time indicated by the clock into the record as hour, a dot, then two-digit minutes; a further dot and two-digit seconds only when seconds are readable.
2.26
